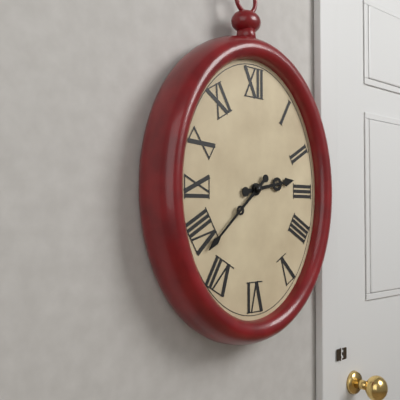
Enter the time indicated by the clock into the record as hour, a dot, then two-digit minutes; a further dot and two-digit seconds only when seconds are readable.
2.38
